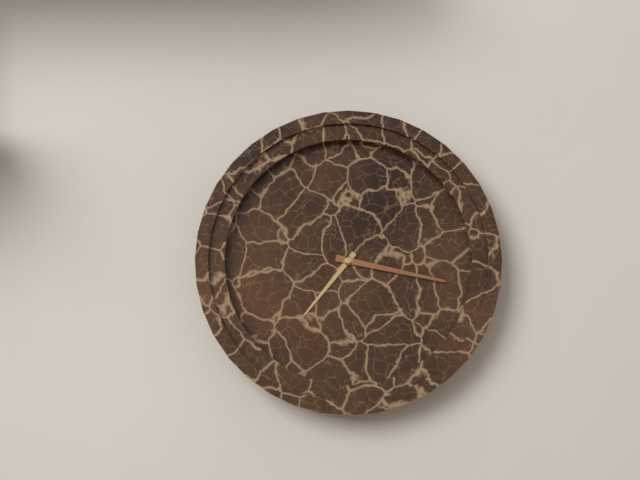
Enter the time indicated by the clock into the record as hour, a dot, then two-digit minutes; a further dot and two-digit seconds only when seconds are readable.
7.17
